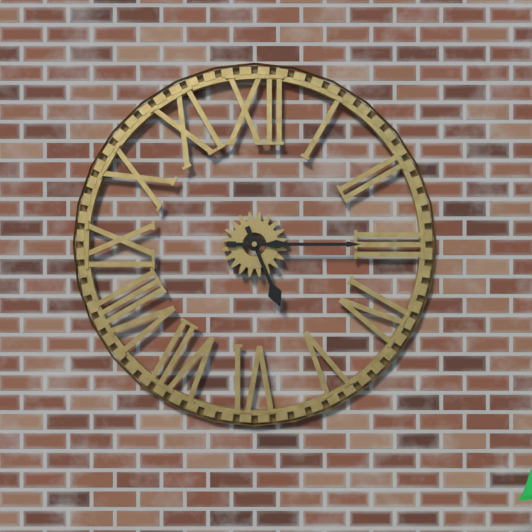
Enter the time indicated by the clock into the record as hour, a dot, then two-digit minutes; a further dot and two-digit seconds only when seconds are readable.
5.15
